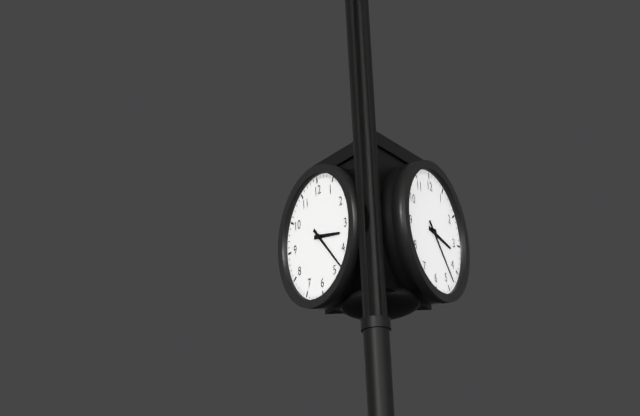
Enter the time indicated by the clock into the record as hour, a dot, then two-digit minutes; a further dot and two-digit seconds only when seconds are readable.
3.23
